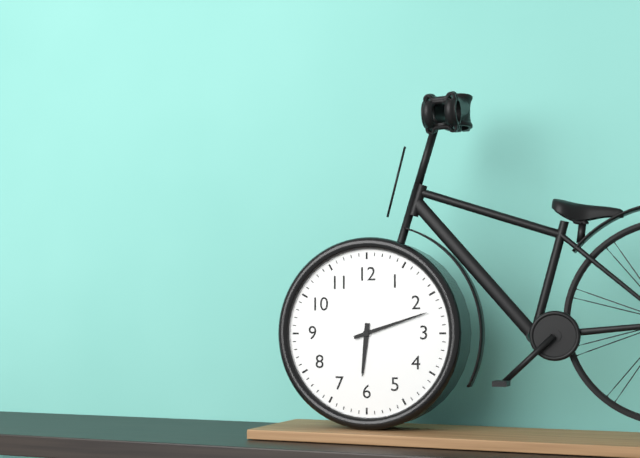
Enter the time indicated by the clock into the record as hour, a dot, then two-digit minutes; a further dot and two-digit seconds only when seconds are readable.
6.12
